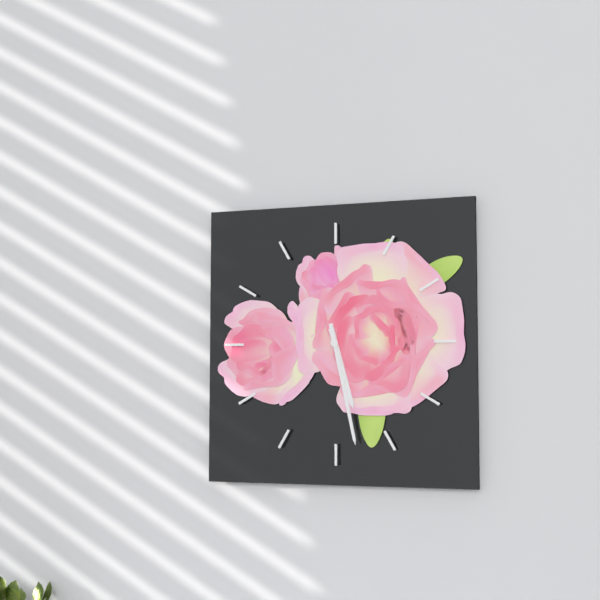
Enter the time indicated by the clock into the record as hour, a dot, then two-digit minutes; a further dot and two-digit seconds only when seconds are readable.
5.28
